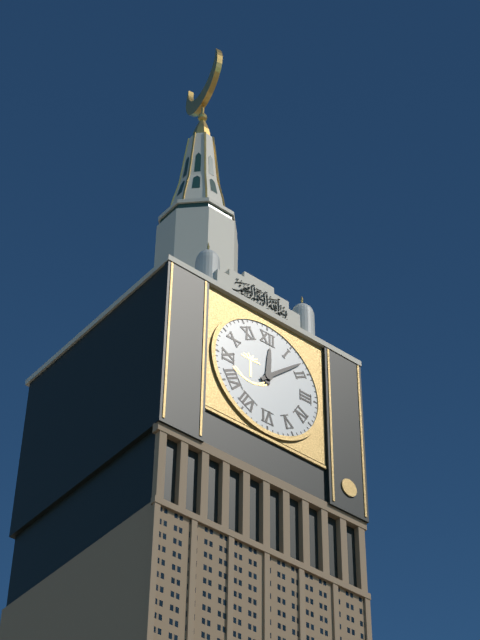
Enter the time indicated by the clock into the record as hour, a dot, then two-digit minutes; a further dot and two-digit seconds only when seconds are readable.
12.08
